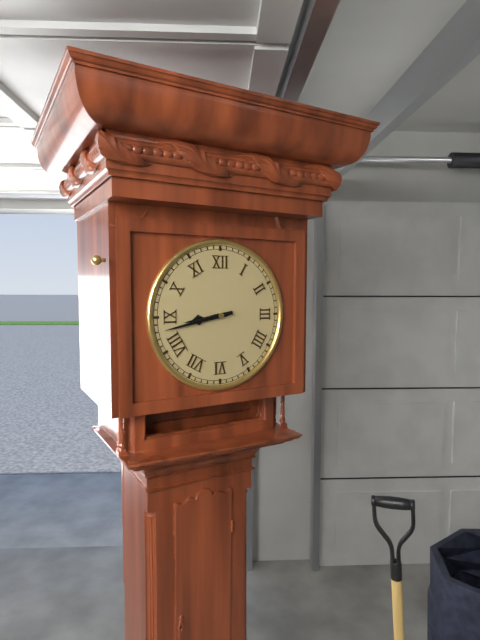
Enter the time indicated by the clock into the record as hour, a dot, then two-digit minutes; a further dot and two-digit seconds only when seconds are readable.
8.43
